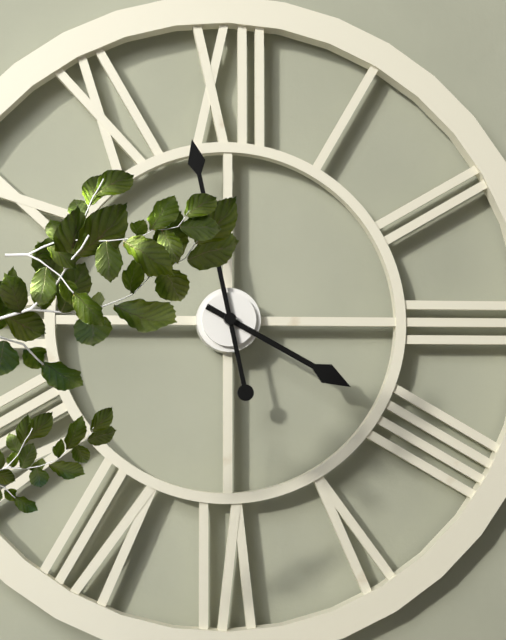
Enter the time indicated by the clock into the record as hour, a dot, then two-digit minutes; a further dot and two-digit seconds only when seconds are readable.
3.58
